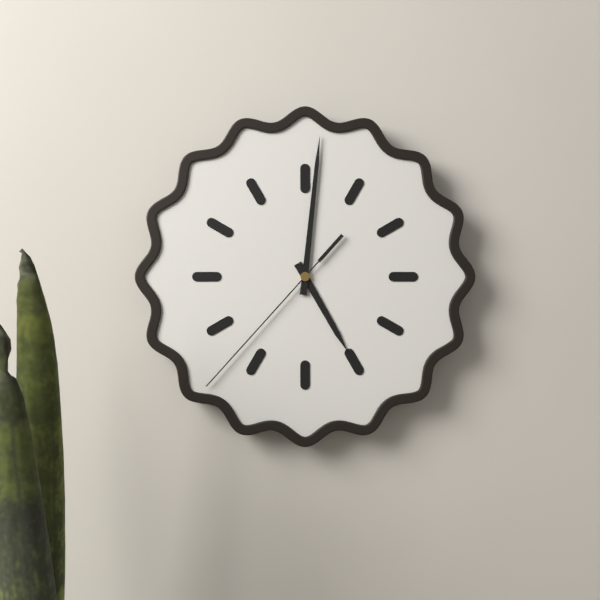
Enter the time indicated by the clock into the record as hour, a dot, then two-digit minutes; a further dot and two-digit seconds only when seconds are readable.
5.01.37
